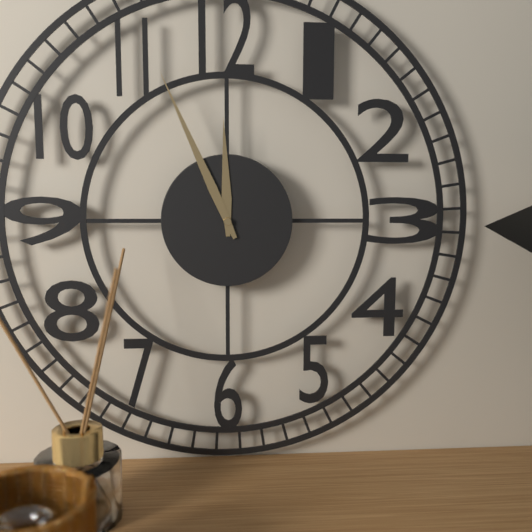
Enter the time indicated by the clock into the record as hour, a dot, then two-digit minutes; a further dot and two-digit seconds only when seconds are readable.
11.56
